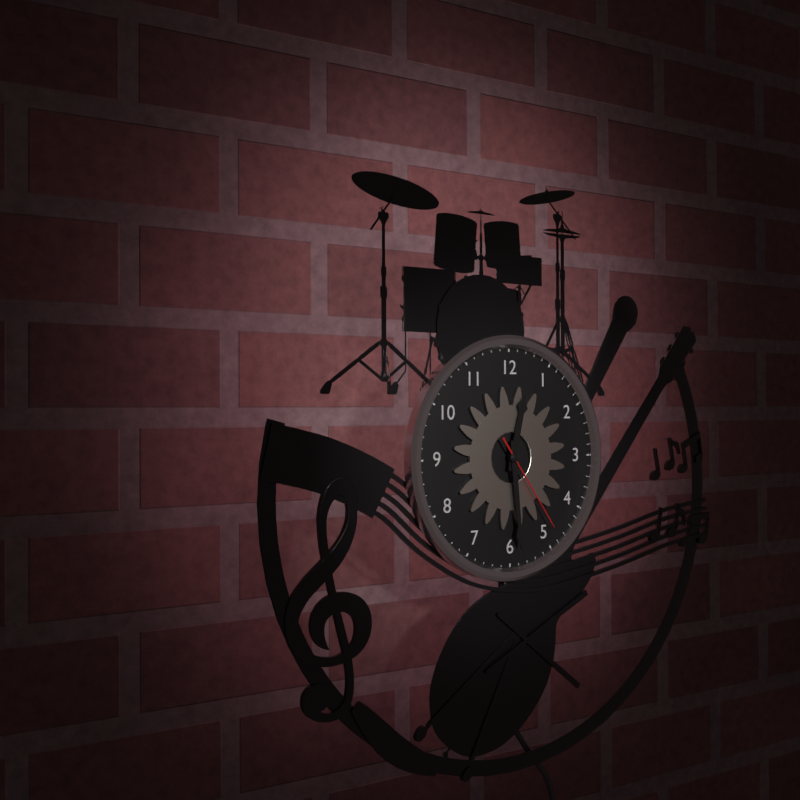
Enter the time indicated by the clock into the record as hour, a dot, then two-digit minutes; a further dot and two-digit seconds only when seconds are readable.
12.29.24
